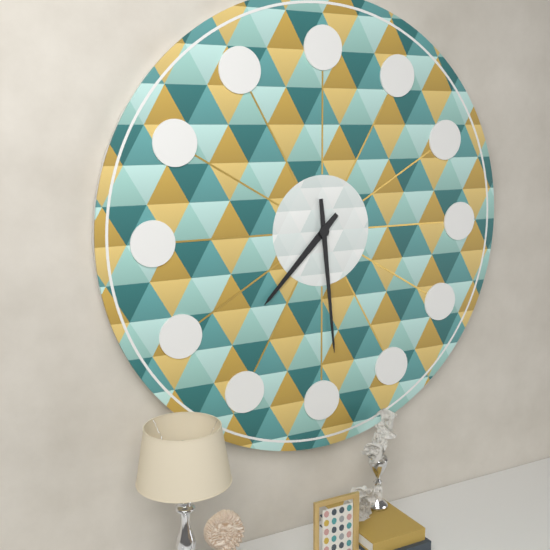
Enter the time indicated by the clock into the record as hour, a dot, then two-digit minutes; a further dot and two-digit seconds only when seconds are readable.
7.29
